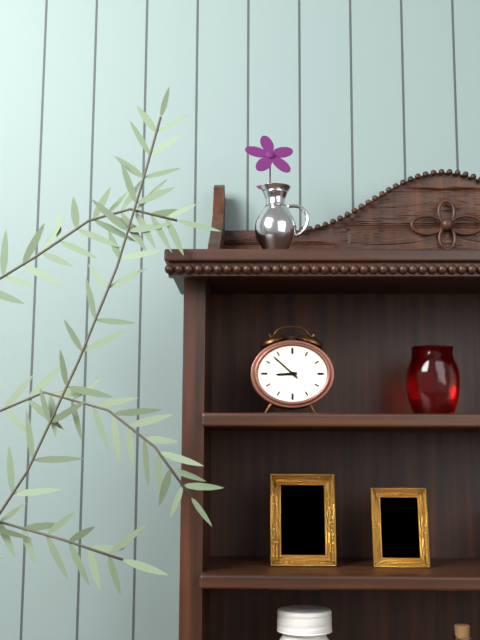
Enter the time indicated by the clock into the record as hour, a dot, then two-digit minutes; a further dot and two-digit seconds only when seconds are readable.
8.52
